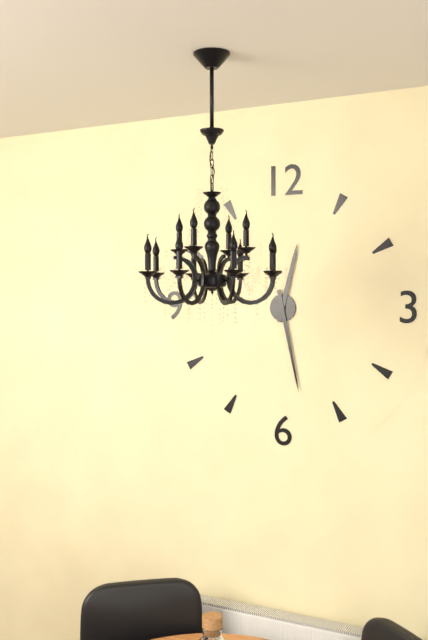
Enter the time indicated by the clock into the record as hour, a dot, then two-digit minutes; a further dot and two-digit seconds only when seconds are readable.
12.28
